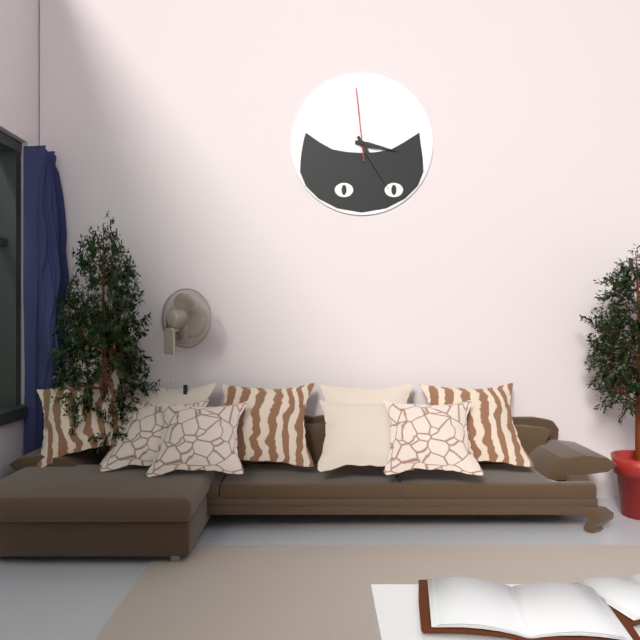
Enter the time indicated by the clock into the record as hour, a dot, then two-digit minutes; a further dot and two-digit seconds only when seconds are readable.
3.25.59
